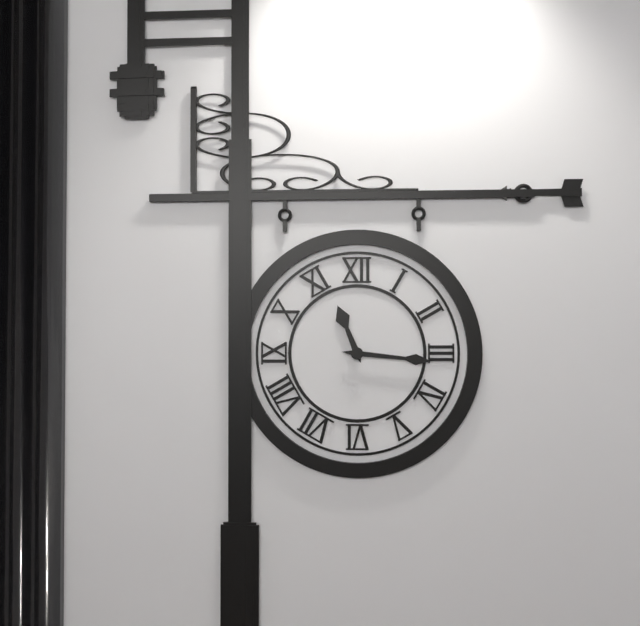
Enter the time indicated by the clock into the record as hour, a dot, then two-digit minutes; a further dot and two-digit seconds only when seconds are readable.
11.16
